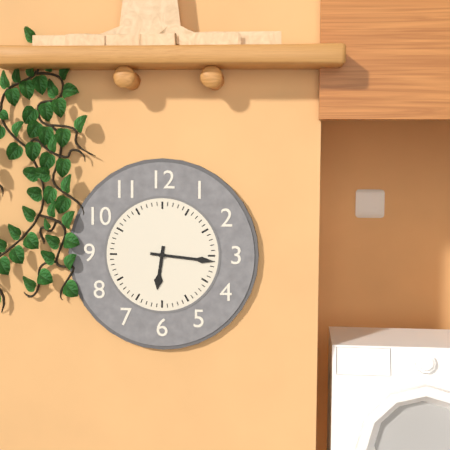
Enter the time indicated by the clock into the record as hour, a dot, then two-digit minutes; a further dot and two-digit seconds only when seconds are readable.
6.16
